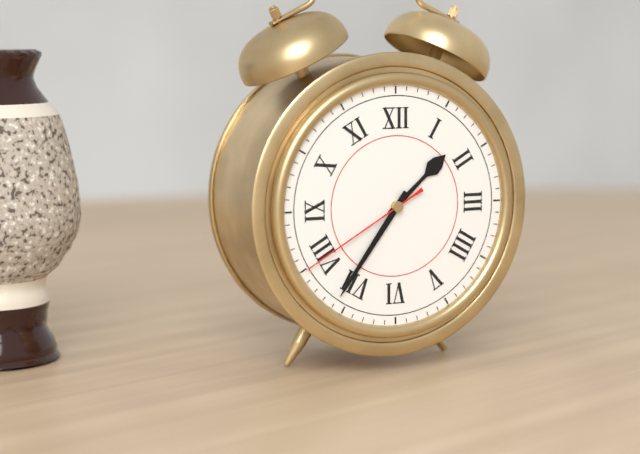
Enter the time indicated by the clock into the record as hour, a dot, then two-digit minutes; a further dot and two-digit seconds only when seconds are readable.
1.36.40
